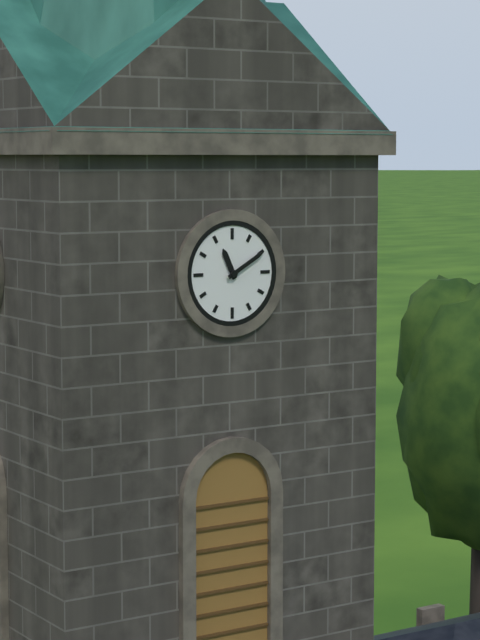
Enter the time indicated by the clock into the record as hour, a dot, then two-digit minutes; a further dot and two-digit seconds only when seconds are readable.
11.10
